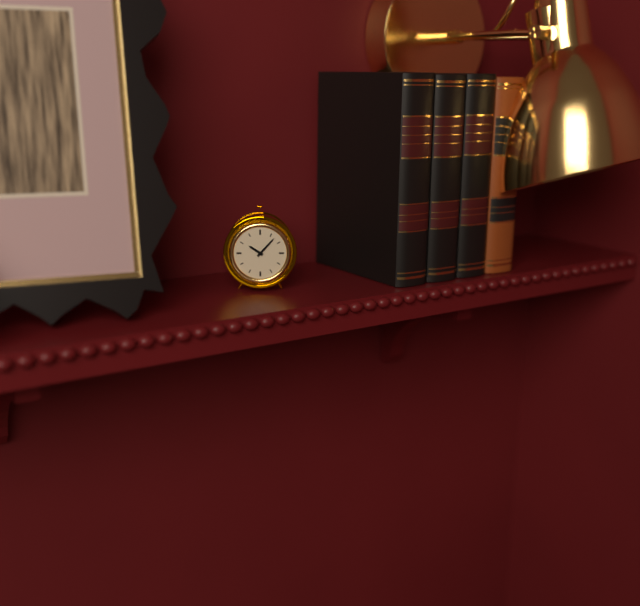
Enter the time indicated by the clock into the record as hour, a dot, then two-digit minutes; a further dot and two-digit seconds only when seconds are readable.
10.07
